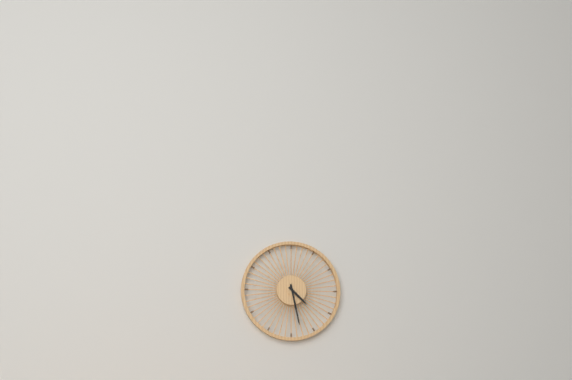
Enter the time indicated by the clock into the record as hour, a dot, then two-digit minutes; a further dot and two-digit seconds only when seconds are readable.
4.28
